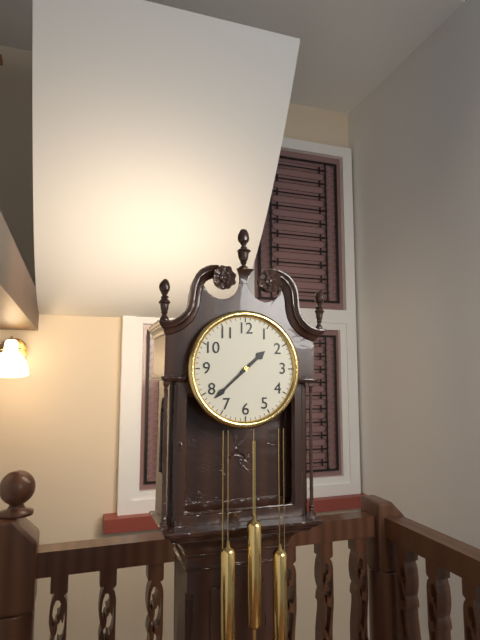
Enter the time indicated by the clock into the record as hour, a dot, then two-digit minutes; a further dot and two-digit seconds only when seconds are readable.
1.38
